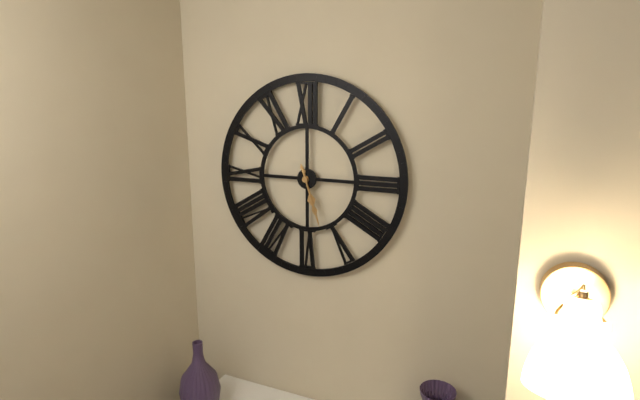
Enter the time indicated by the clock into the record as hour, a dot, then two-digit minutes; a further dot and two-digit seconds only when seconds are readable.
5.27
